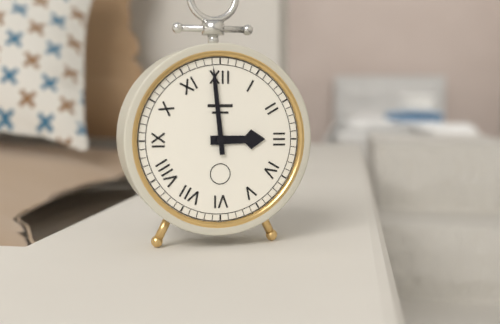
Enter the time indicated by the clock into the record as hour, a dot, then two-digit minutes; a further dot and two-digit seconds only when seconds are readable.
2.59
